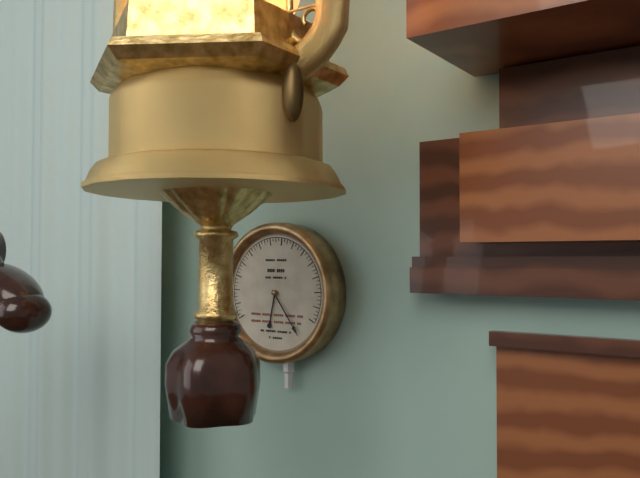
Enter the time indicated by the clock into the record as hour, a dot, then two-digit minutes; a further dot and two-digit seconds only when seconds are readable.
6.24
